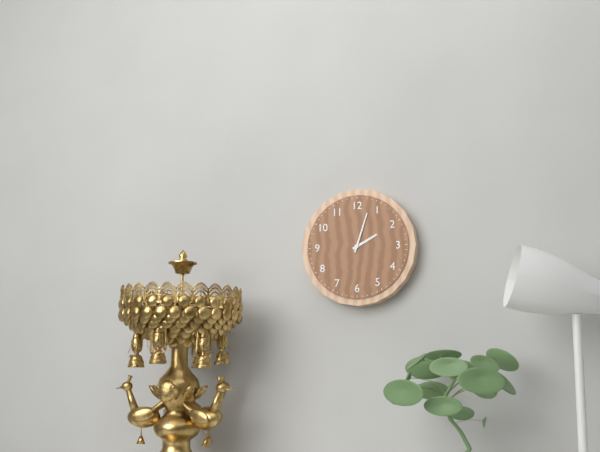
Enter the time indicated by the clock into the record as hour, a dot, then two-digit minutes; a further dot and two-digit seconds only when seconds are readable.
2.03
